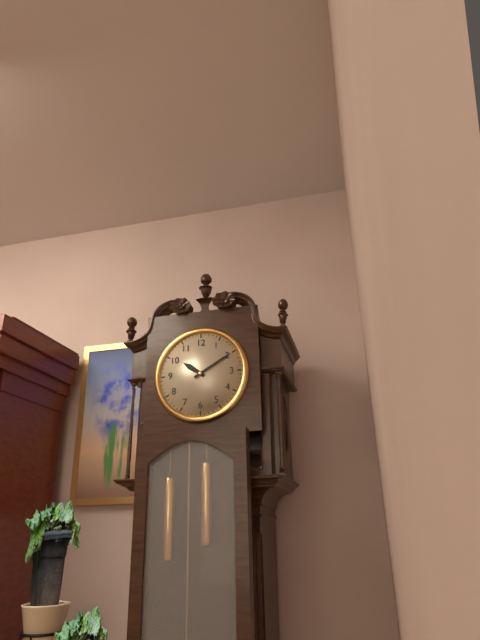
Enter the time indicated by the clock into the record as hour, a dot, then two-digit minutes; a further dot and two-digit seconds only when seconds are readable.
10.10
